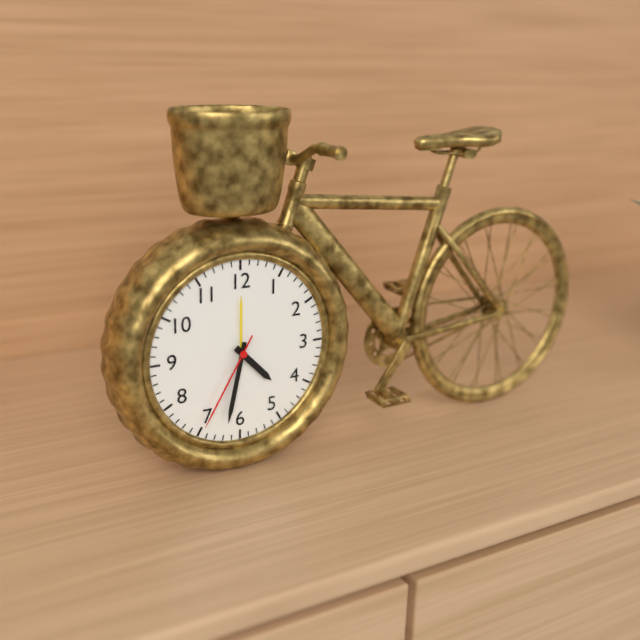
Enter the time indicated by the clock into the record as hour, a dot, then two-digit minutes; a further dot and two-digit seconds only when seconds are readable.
4.32.35
